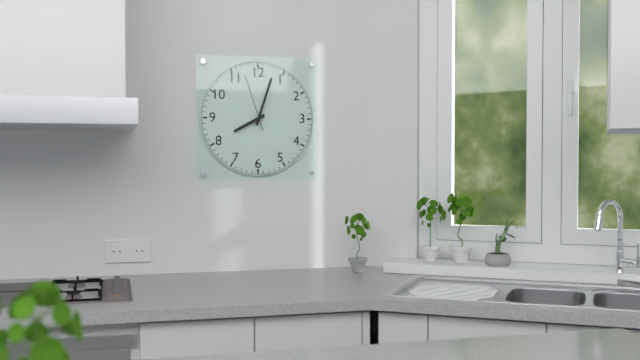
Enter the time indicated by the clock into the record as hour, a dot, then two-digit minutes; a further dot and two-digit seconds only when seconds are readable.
8.03.57
